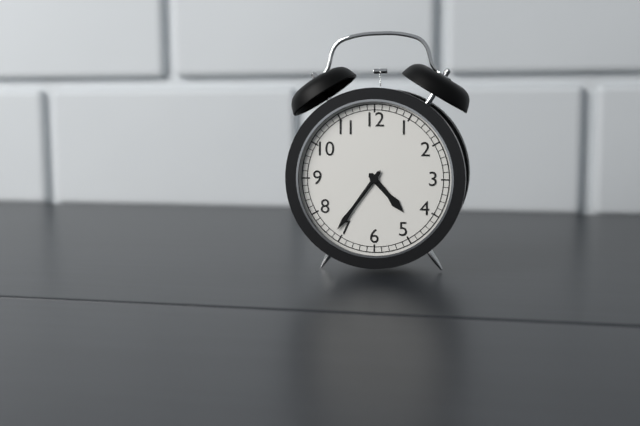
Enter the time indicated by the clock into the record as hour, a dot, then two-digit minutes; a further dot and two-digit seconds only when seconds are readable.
4.36
